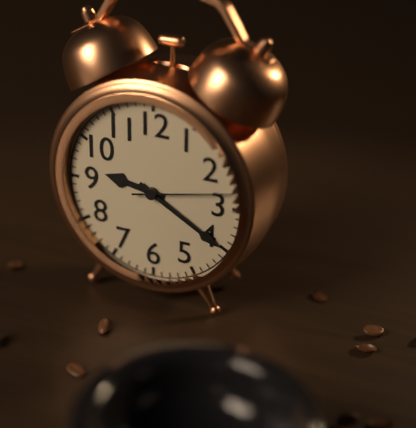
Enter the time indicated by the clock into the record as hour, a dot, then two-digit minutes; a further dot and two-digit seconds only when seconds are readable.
9.20.13
